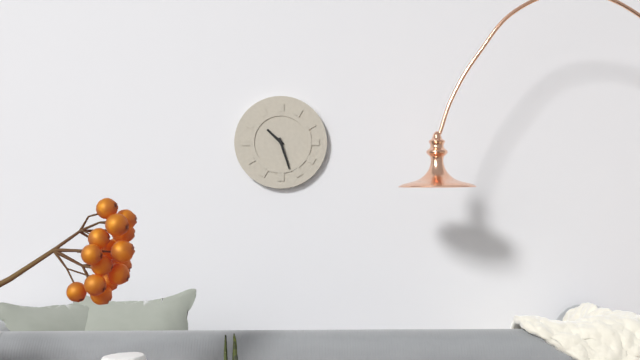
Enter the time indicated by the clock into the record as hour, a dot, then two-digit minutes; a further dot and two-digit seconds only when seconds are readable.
10.27
